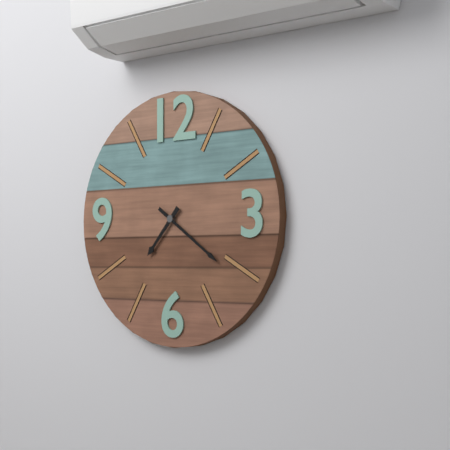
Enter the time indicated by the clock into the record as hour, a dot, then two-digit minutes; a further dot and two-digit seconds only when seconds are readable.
7.21
